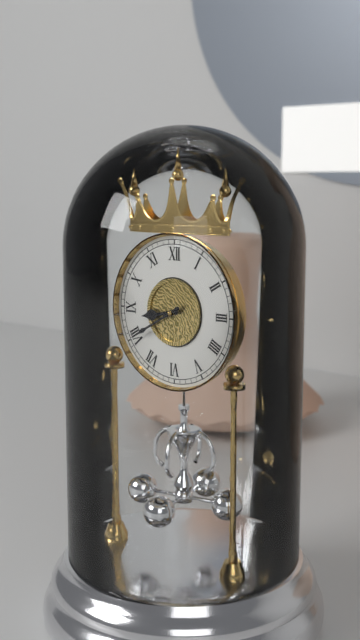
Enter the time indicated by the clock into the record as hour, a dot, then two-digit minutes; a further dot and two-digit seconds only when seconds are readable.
8.40
